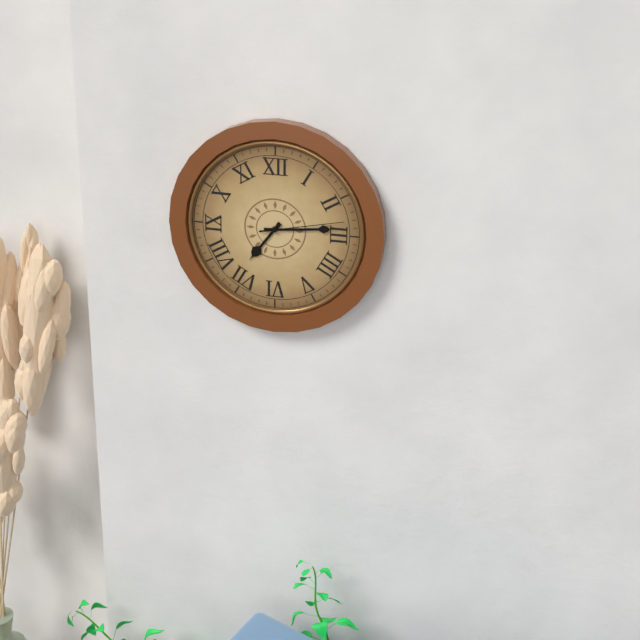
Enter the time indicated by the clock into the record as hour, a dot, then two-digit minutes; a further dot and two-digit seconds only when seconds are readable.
7.14.13
